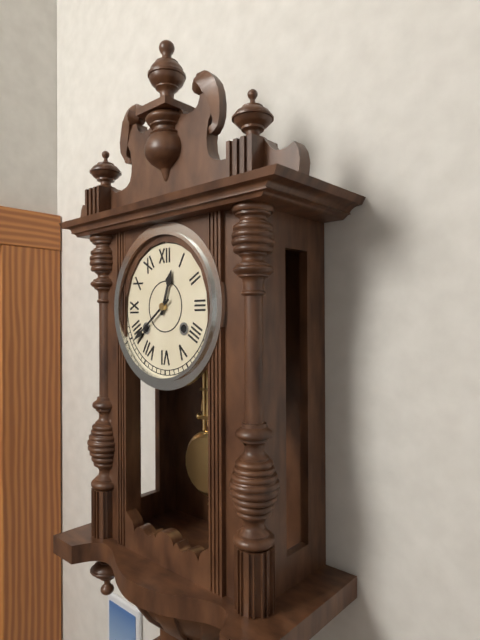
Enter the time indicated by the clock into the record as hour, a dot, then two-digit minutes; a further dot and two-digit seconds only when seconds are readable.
12.39
